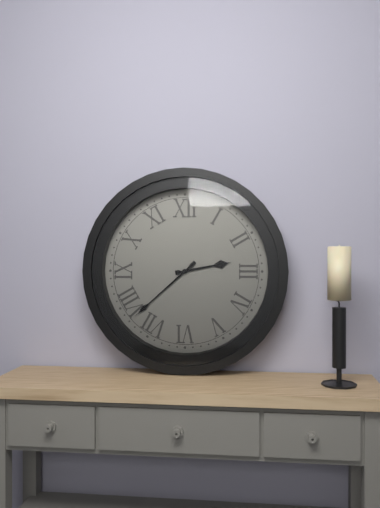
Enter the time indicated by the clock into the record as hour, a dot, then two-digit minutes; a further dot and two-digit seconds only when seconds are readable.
2.38
